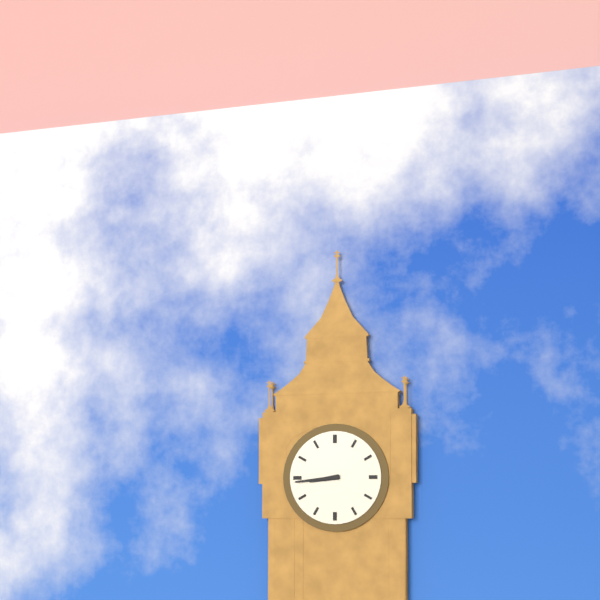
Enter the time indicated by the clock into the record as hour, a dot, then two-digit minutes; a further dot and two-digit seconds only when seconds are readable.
8.44
